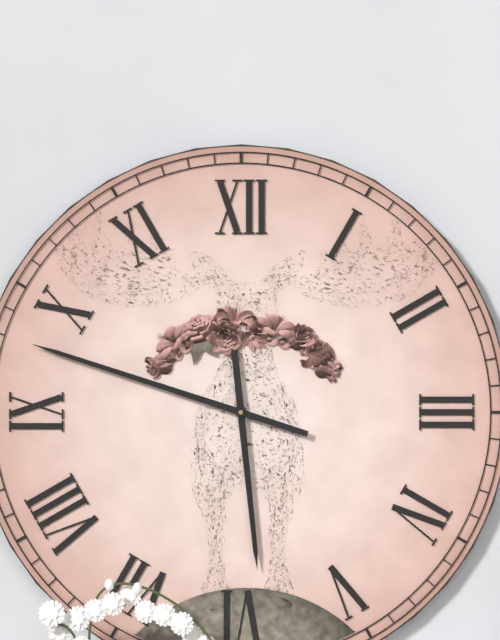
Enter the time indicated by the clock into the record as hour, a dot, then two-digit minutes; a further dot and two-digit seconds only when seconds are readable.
5.48
